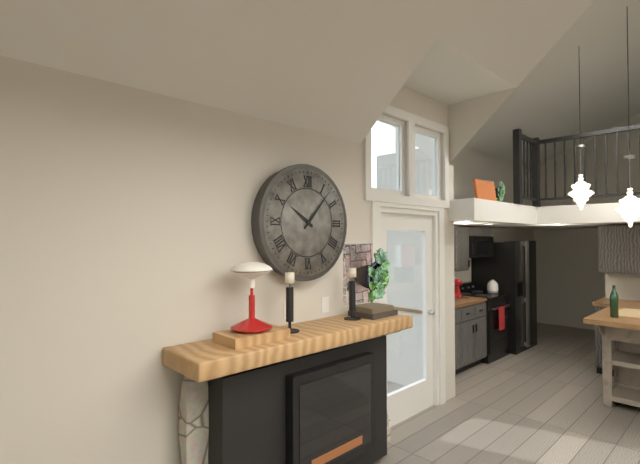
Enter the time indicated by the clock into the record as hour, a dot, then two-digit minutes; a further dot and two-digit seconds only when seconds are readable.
10.07
